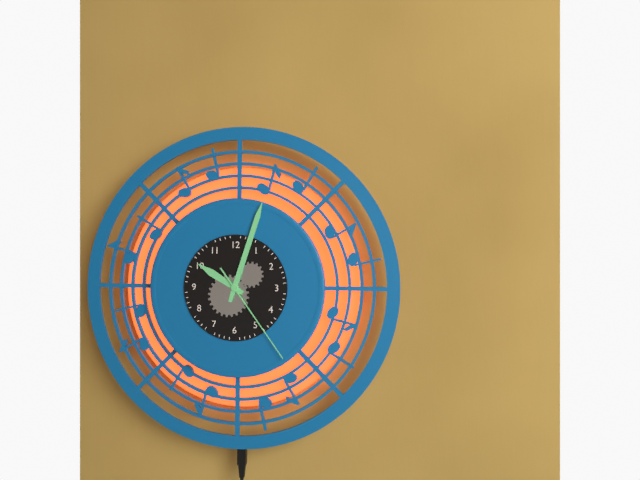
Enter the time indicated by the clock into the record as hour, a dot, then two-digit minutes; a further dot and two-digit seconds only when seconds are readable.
10.03.24
